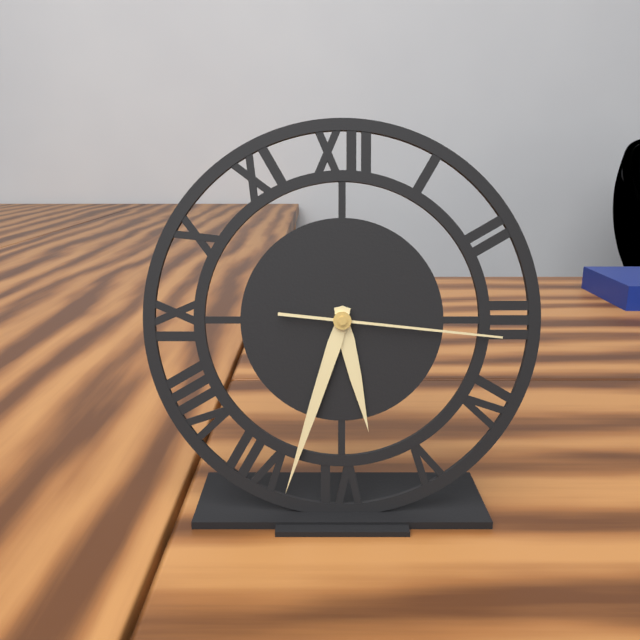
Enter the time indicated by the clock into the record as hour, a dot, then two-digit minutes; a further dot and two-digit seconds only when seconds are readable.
5.33.16
